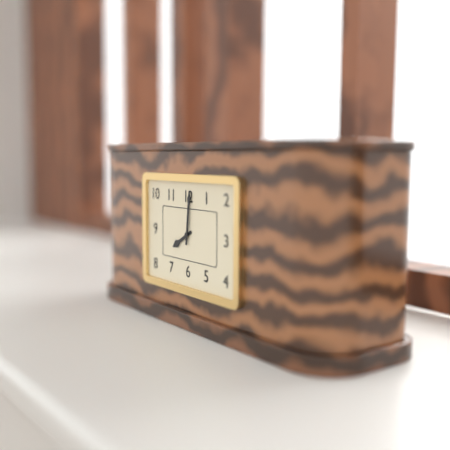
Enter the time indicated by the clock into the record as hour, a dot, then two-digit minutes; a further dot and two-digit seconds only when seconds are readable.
8.01
